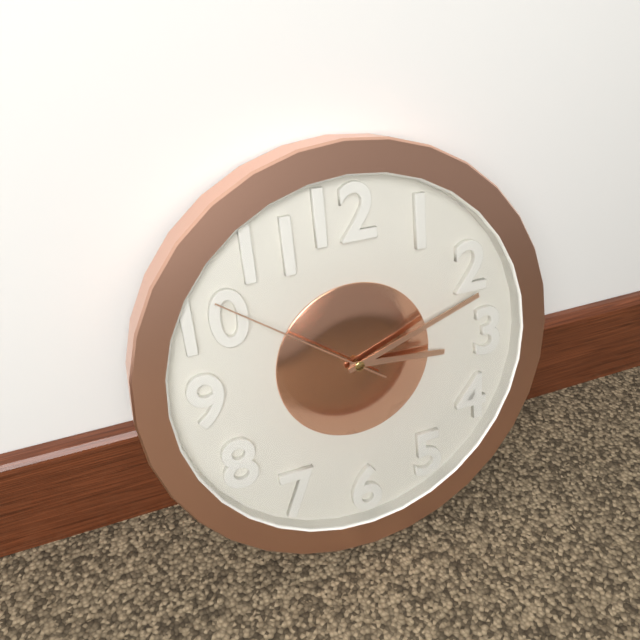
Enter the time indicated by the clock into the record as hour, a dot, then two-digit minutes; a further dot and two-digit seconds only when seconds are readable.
3.12.51
